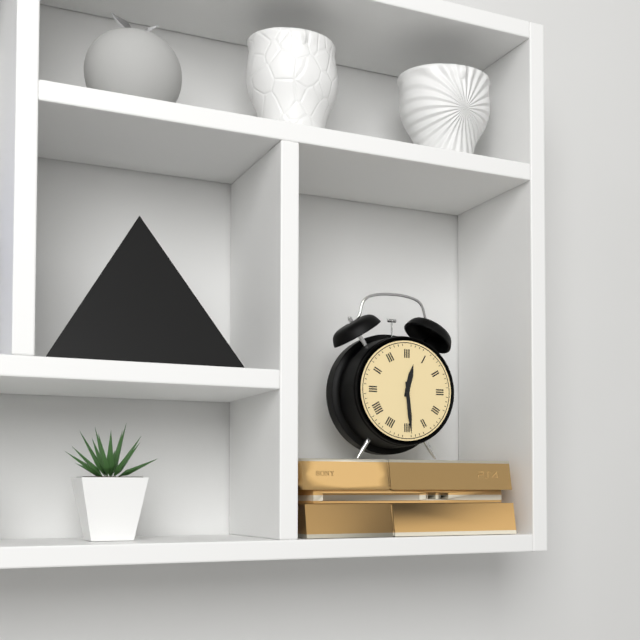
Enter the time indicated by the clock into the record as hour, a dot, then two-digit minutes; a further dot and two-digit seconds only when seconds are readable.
12.29
